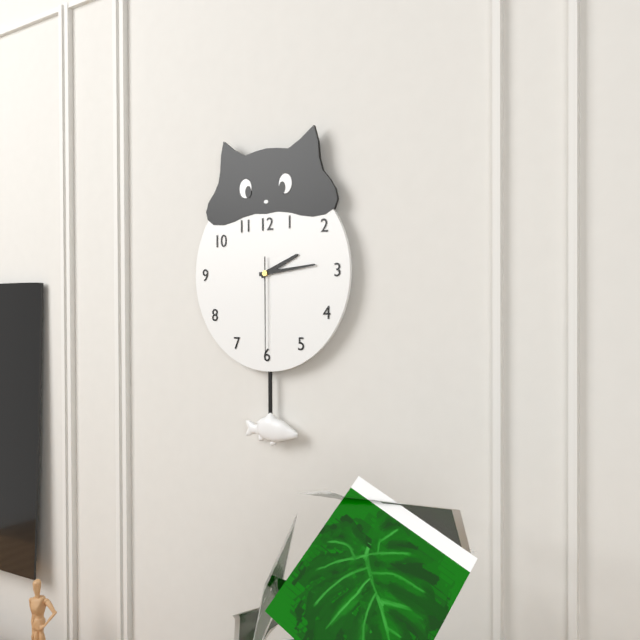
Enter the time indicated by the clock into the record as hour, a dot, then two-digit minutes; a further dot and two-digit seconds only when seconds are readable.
2.14.30
